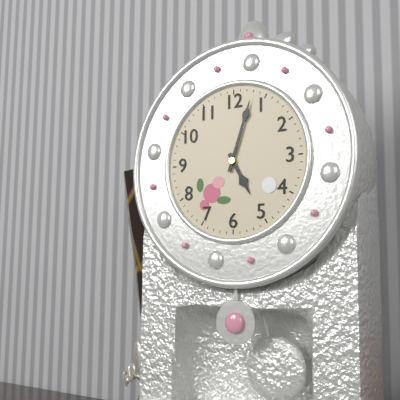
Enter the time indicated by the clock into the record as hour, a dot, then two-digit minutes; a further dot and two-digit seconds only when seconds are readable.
5.03
